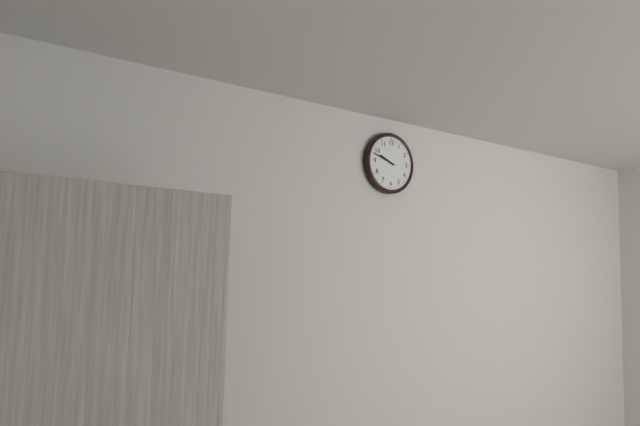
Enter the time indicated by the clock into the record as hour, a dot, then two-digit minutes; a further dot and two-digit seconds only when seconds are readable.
9.48
